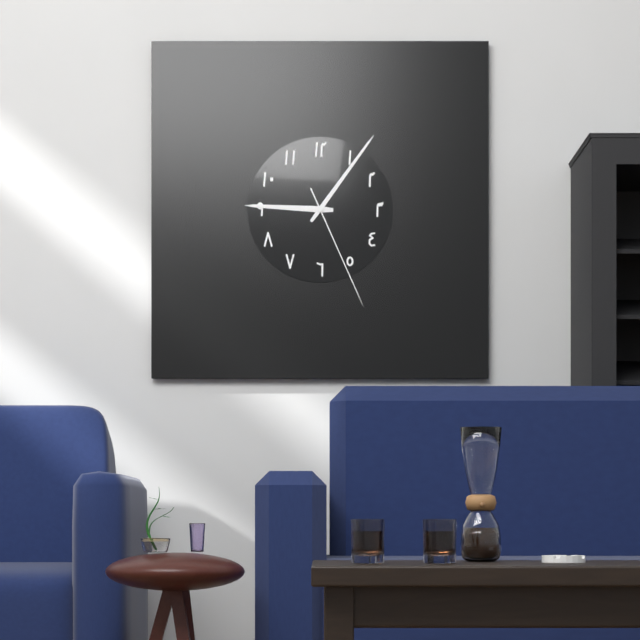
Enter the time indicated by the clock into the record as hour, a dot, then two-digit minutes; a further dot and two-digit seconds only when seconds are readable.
9.06.26
